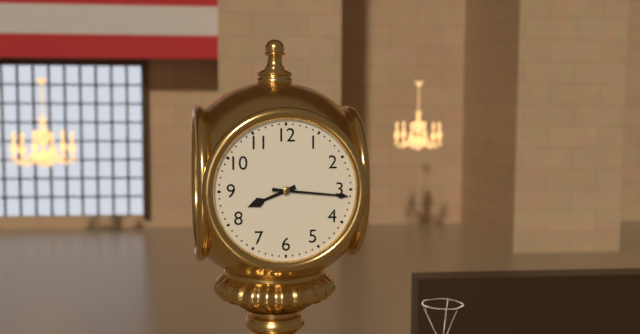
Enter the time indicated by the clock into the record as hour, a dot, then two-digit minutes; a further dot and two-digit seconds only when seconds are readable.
8.16
